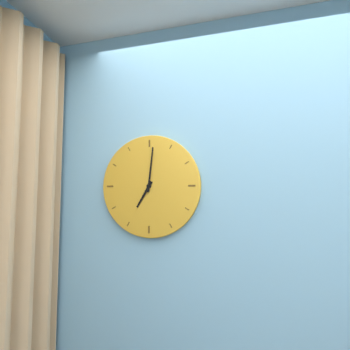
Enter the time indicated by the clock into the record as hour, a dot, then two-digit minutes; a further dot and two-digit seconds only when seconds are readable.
7.01
